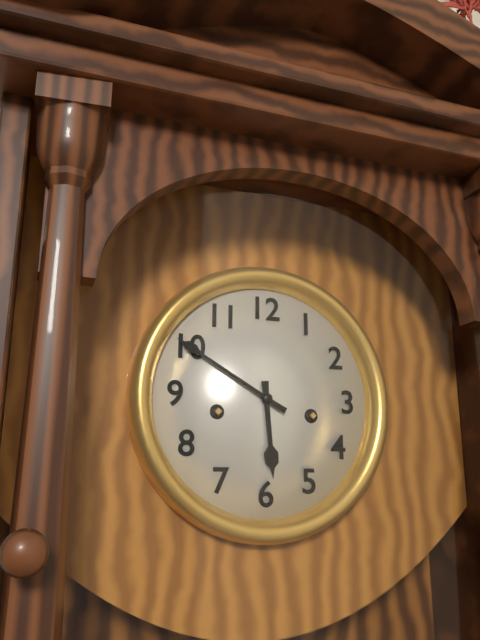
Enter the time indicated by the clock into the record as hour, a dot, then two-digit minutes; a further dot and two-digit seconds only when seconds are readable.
5.50
